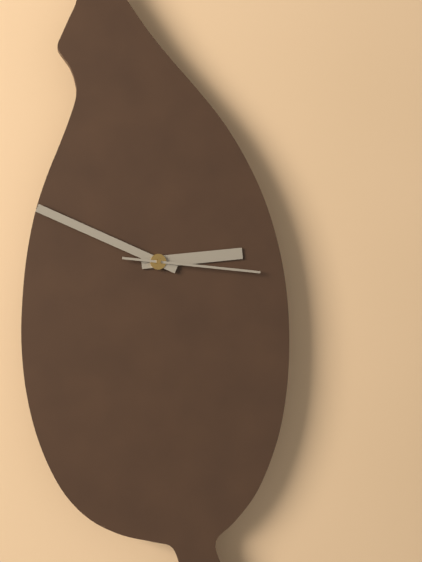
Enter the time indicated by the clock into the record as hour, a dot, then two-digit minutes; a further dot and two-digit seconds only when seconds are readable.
2.49.16
